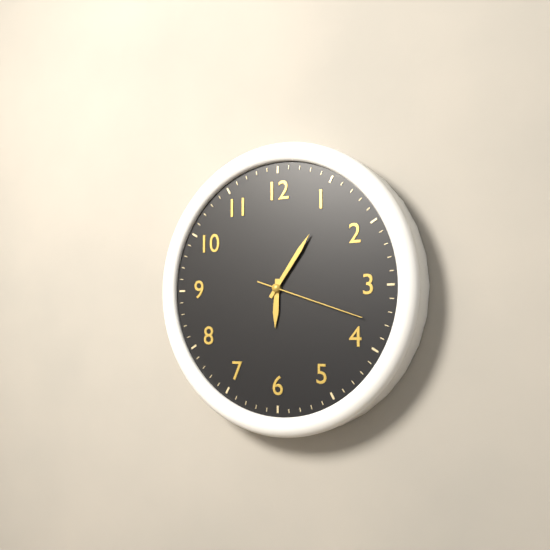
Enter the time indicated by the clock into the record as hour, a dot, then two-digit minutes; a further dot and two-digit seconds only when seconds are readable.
6.06.18
